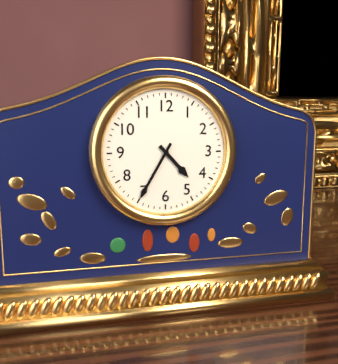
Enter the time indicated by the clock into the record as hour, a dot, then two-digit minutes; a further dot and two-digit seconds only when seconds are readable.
4.35
